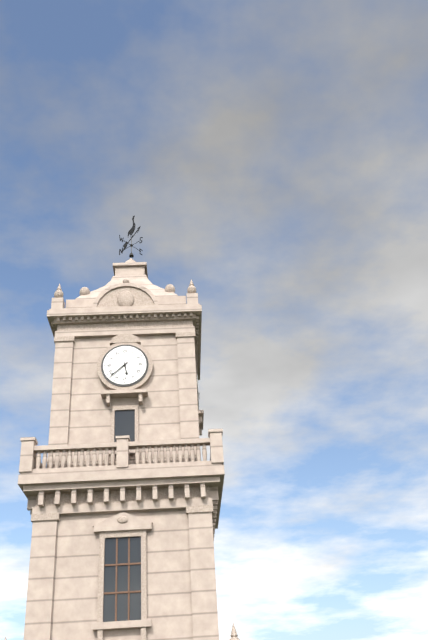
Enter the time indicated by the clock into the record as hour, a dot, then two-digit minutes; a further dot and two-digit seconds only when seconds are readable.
5.38
